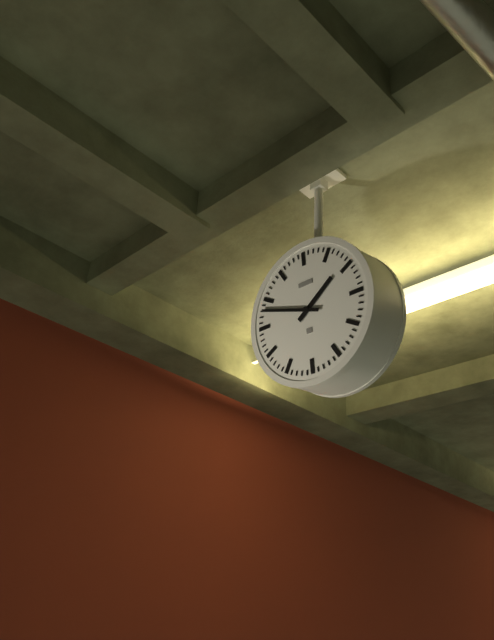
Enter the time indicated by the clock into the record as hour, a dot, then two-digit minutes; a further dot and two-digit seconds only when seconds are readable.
1.48
